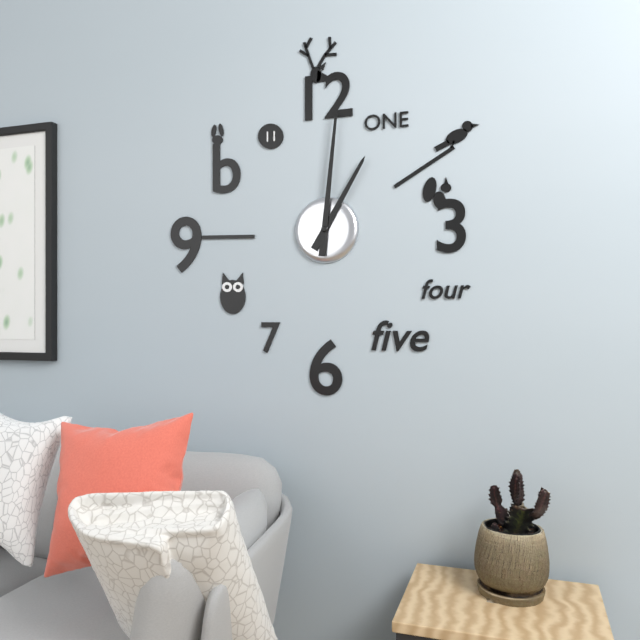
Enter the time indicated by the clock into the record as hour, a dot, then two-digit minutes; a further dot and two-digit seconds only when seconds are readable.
1.01
